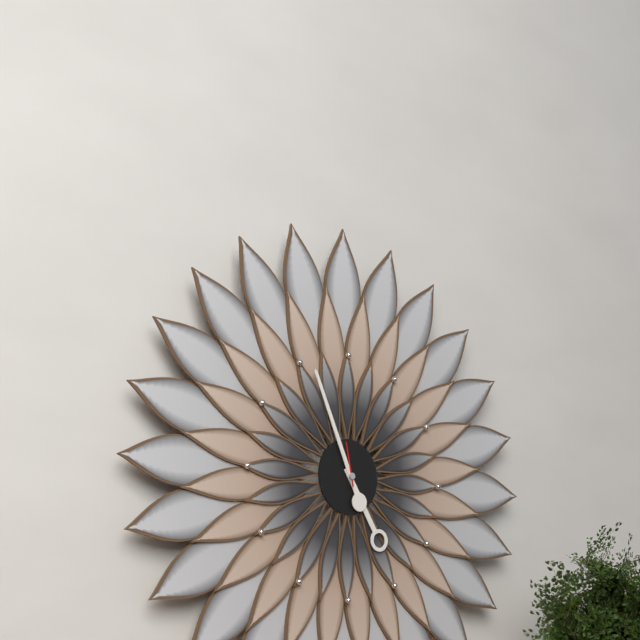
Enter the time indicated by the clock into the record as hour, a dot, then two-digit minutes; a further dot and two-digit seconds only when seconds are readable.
4.56
